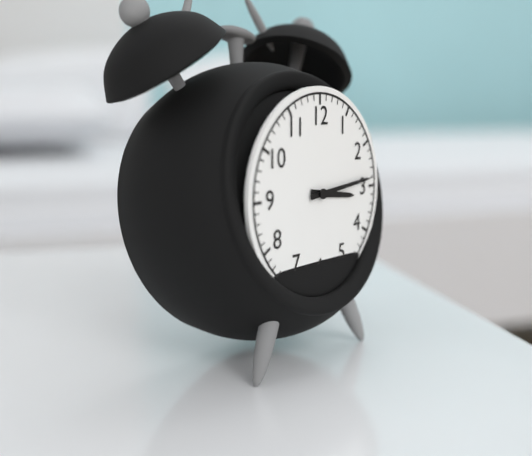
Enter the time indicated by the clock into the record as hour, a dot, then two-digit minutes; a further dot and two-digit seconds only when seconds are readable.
3.14
